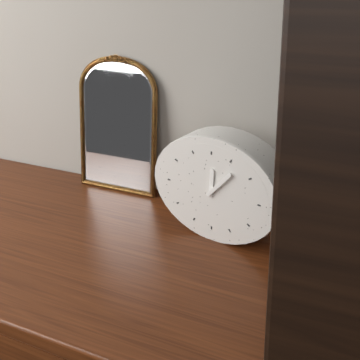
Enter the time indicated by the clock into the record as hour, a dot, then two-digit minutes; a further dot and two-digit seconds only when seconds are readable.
12.07
